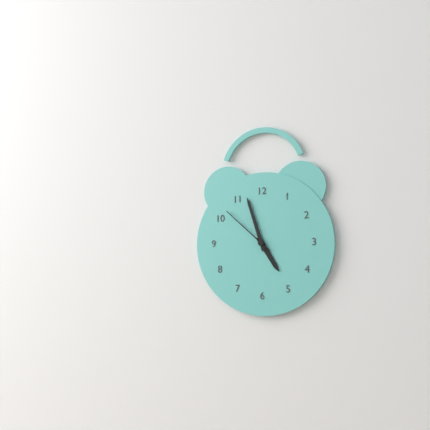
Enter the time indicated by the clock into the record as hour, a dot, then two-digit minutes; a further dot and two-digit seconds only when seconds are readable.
4.57.52
